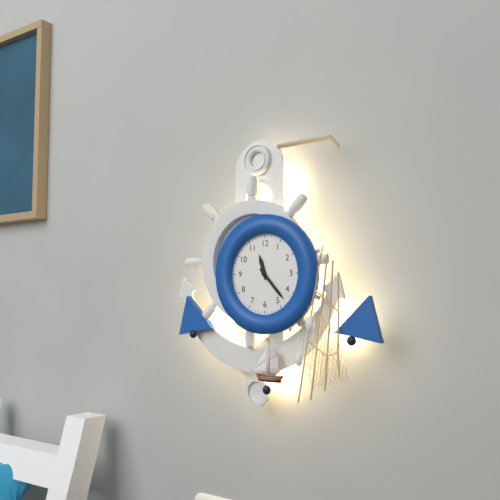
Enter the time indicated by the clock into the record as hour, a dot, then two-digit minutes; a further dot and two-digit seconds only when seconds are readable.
11.23
